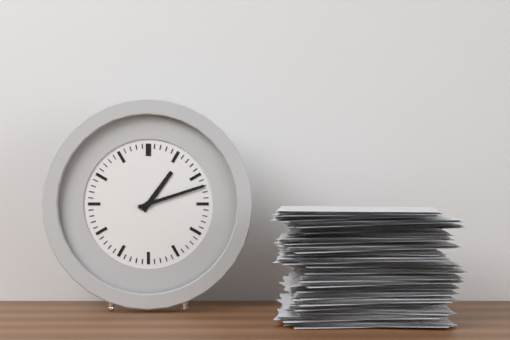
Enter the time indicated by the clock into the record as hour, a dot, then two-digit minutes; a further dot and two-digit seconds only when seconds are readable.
1.12
